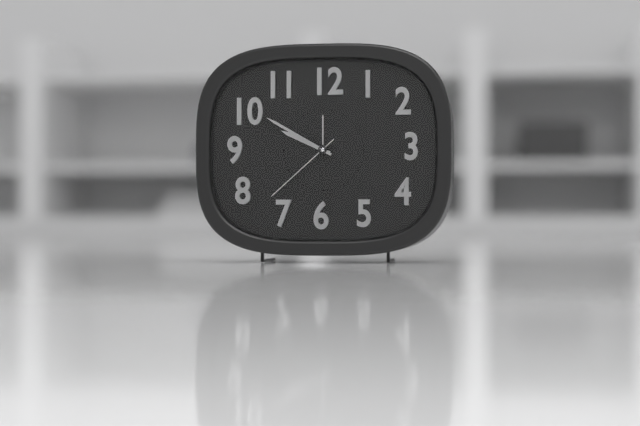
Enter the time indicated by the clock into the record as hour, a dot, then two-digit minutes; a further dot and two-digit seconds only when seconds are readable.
9.50.38
